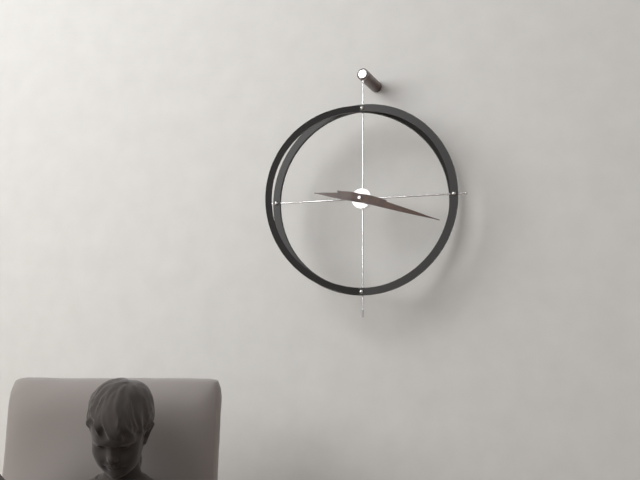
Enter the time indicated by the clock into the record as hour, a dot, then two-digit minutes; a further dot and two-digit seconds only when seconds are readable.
9.18
